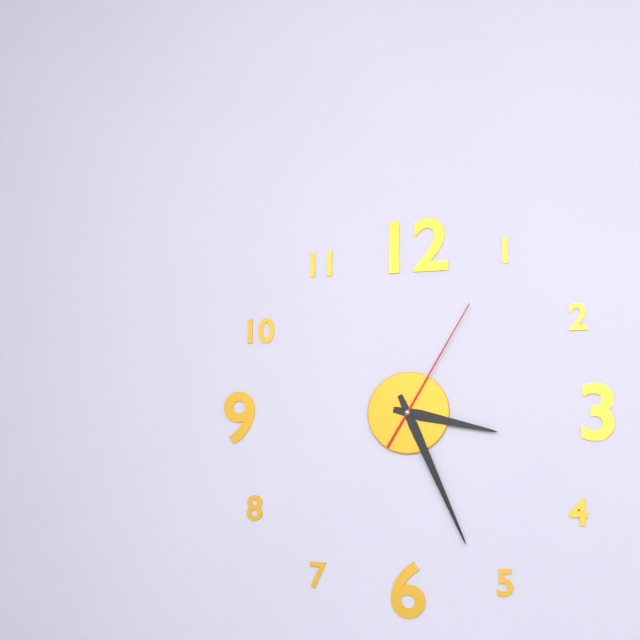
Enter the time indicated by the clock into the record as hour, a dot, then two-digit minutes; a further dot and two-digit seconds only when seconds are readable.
3.26.05
